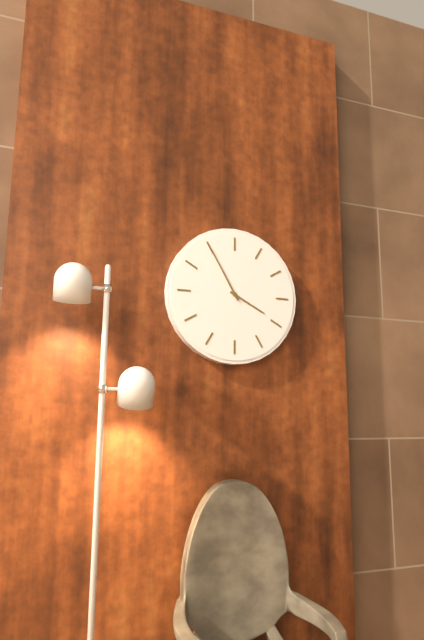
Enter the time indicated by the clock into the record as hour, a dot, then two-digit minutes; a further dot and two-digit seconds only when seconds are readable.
3.55
